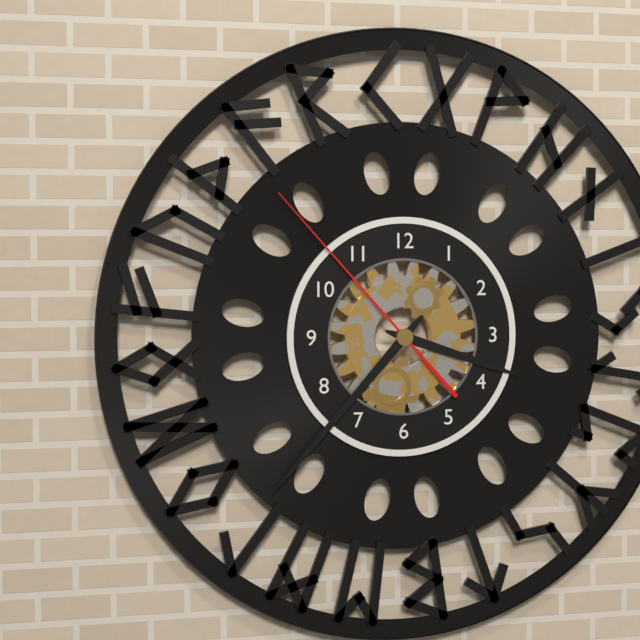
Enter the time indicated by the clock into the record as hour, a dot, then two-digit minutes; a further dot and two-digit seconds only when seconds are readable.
3.37.53
